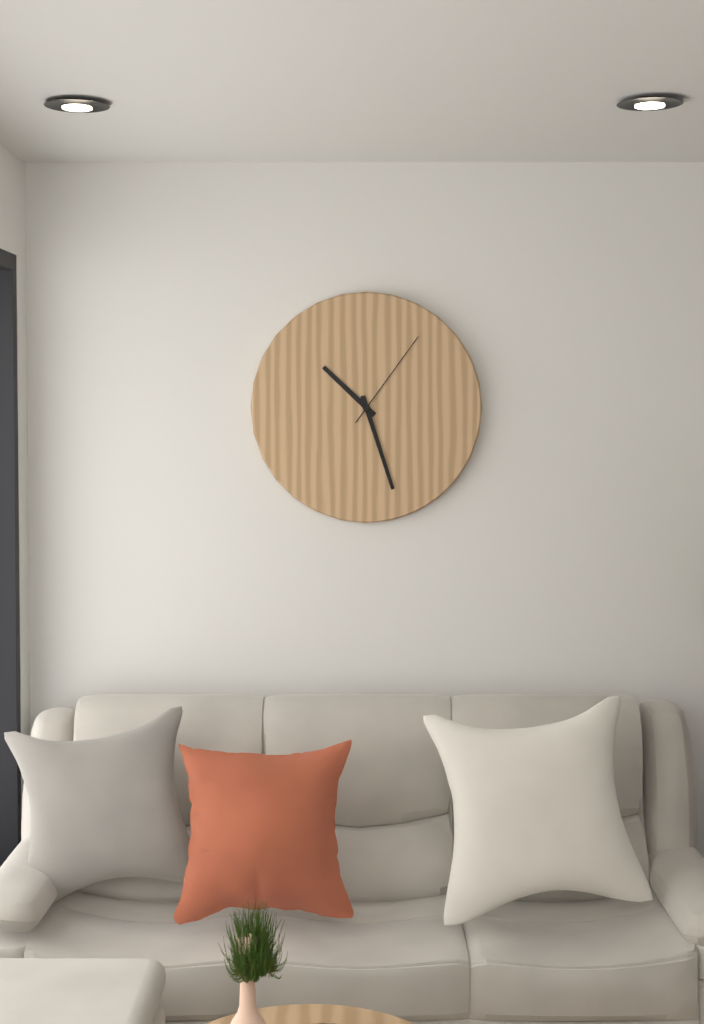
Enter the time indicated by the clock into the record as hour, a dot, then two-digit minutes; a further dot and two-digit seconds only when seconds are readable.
10.27.06
